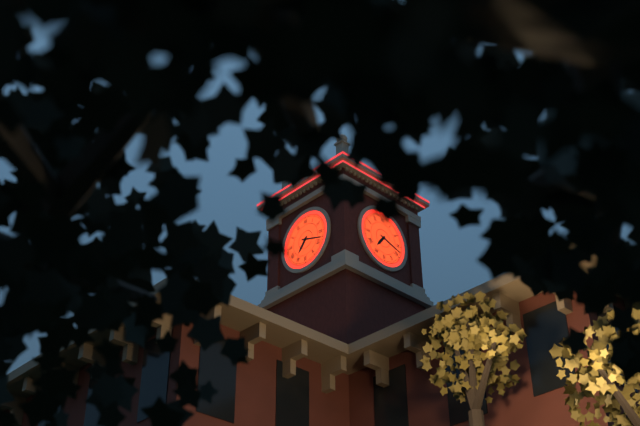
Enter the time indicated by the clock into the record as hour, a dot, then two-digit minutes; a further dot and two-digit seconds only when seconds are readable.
7.18
